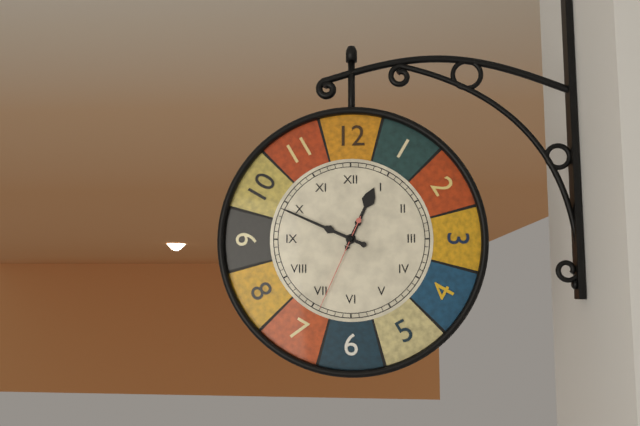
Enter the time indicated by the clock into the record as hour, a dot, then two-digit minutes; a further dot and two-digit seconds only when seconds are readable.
12.49.34
